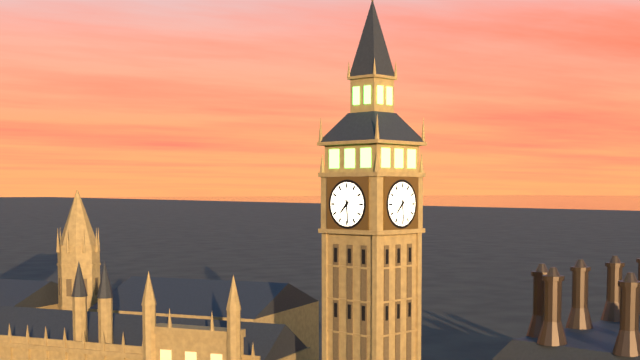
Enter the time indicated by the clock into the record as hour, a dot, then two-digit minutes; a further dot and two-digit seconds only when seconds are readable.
7.29
